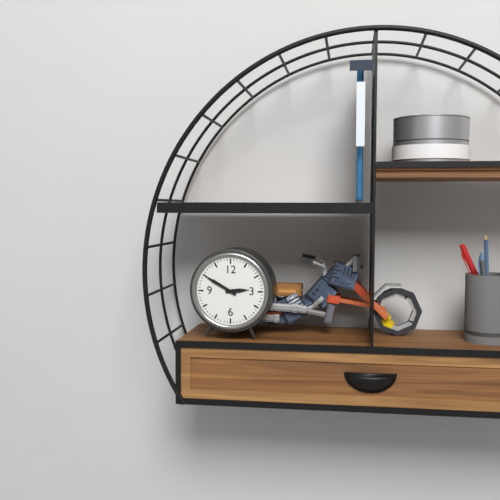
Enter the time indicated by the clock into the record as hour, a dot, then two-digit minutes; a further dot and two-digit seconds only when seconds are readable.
2.50
